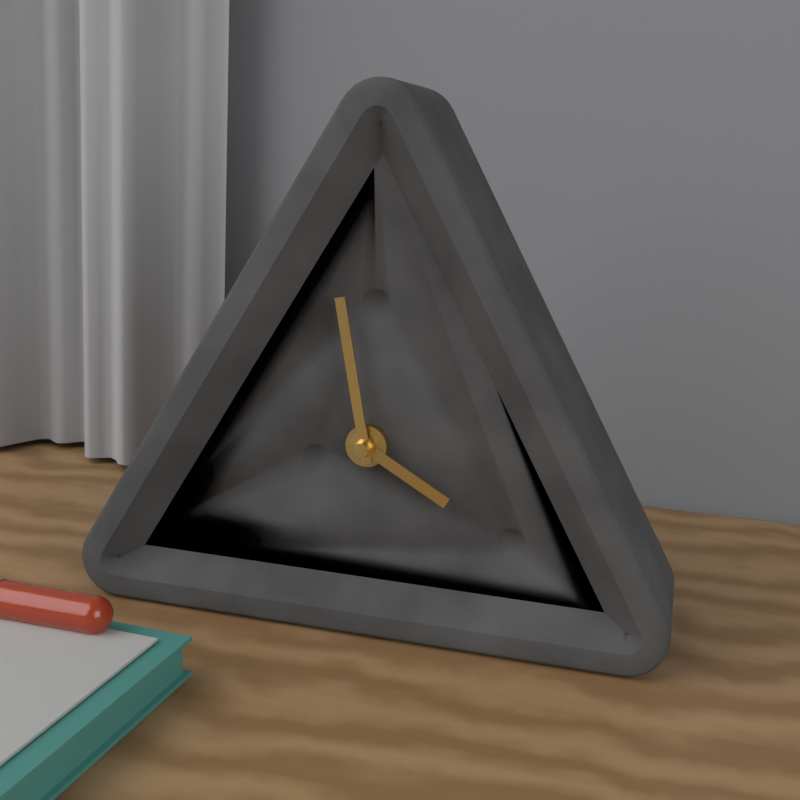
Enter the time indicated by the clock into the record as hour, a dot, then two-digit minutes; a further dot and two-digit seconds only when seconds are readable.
3.58
